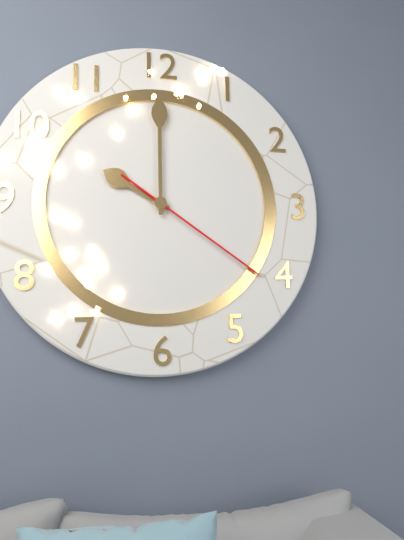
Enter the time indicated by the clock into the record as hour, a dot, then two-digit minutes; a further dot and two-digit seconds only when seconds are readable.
10.00.21
